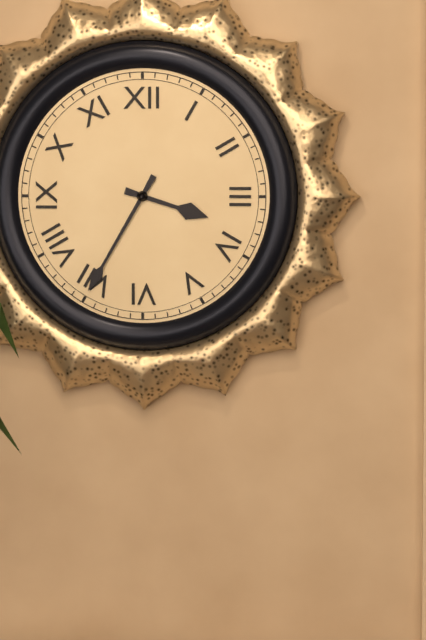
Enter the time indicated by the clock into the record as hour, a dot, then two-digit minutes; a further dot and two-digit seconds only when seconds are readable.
3.35
